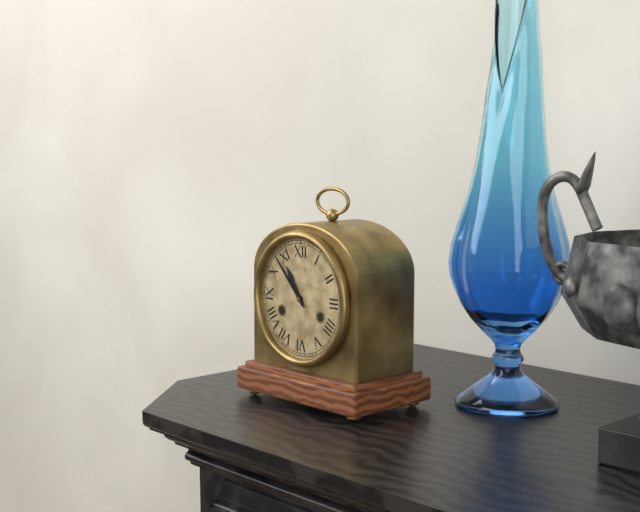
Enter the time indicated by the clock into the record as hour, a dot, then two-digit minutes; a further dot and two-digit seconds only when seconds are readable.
10.53
